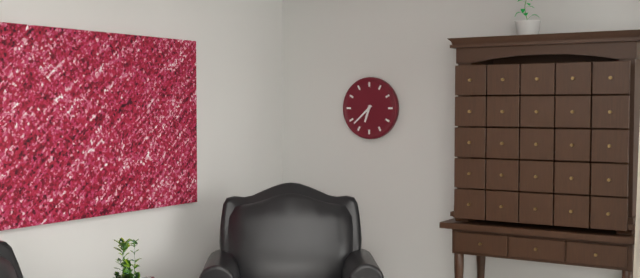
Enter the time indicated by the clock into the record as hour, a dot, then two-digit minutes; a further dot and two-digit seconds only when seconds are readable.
6.38
